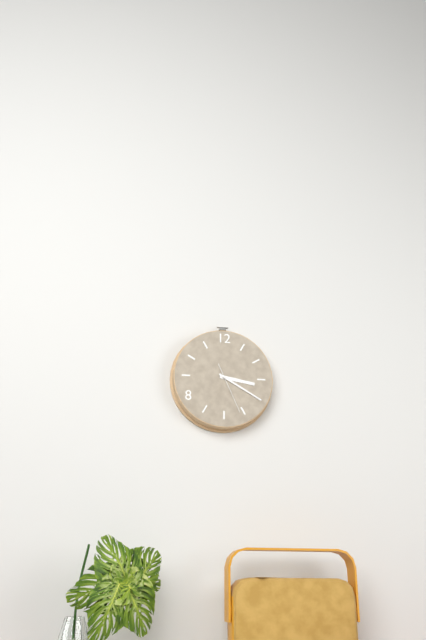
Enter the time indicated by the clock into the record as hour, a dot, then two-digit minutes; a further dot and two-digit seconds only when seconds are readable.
3.20
